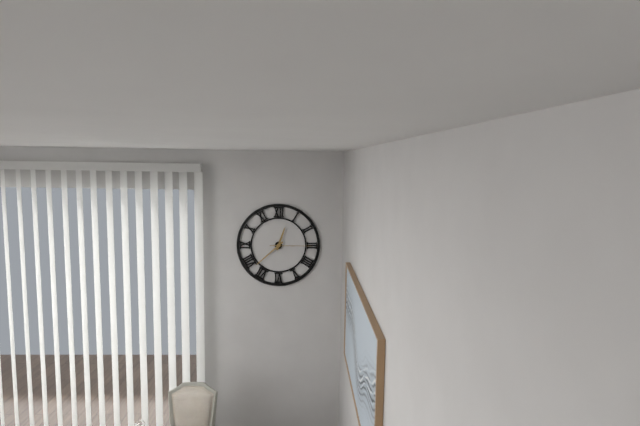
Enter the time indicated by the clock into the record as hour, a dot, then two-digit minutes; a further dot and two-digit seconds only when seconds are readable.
12.38
